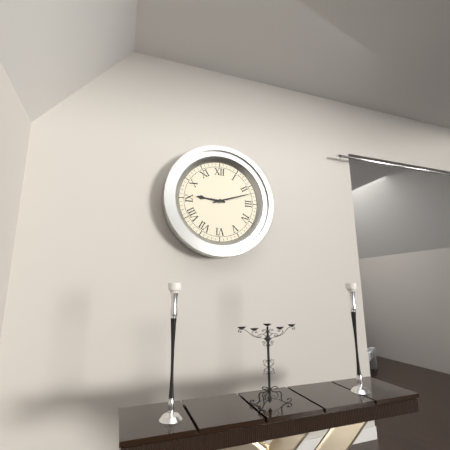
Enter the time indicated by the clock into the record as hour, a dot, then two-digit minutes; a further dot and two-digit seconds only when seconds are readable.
9.12
